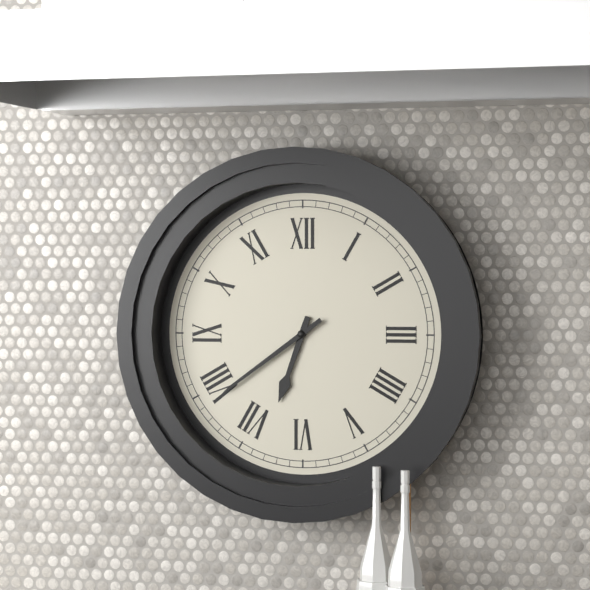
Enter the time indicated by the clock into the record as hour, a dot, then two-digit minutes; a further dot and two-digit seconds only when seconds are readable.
6.39
